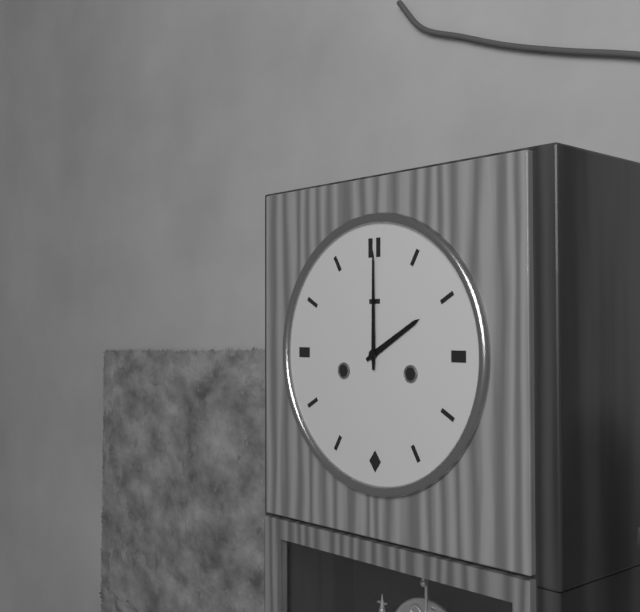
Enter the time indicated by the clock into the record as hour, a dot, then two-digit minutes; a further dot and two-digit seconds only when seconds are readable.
2.00
